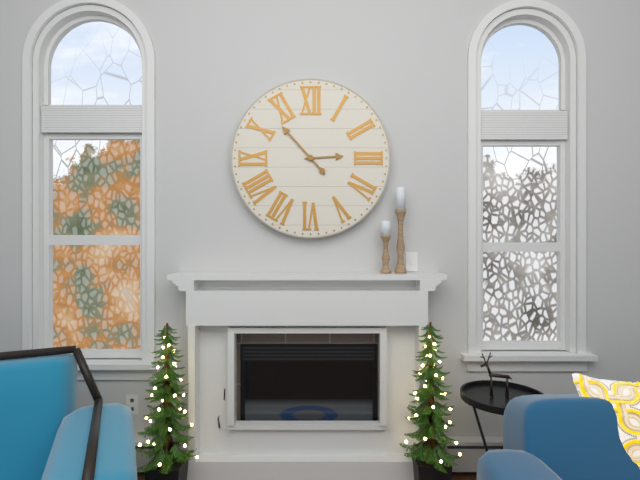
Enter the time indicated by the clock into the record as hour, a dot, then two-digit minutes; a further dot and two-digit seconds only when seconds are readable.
2.53
